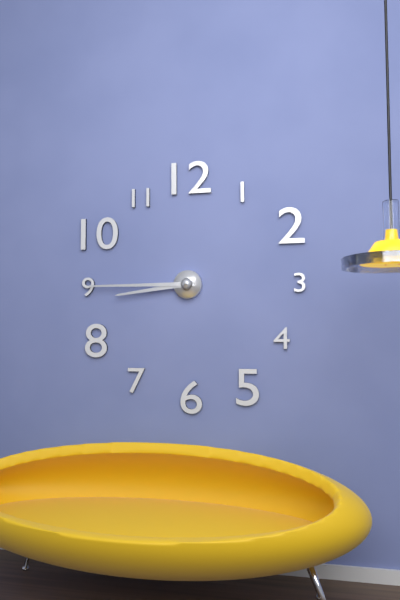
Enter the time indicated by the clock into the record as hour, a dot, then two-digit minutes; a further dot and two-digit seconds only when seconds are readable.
8.45
